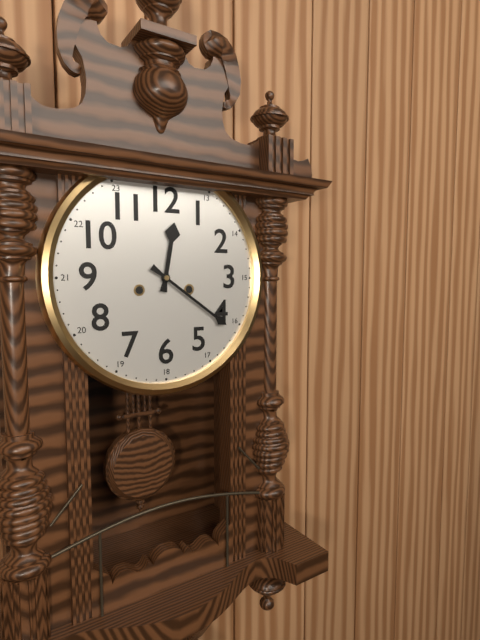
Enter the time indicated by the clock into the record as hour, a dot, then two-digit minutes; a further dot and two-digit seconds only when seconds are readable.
12.21
